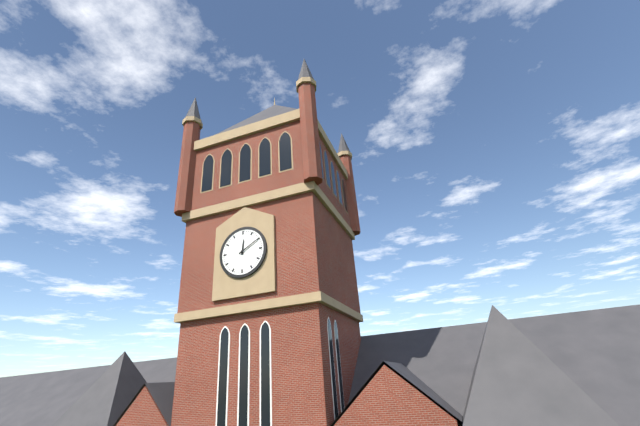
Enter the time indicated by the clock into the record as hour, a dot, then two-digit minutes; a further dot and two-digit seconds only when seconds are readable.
12.10
